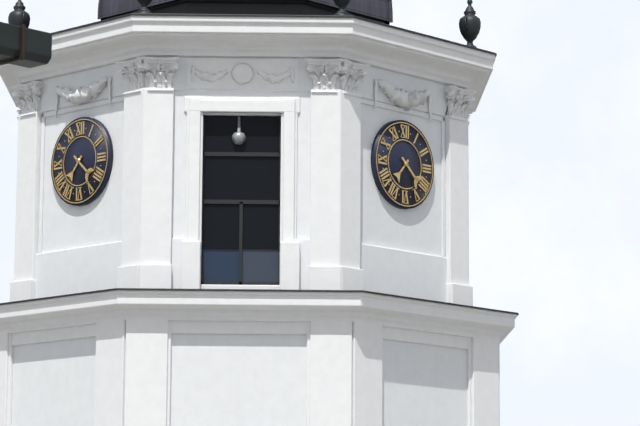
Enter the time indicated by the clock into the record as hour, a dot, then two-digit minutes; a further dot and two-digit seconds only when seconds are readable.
7.22
